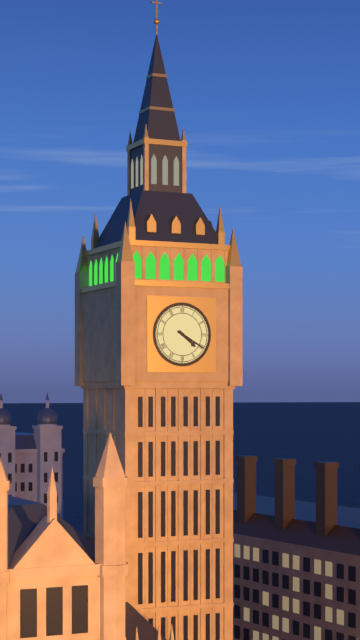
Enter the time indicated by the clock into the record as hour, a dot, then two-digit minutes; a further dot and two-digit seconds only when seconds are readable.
4.20
